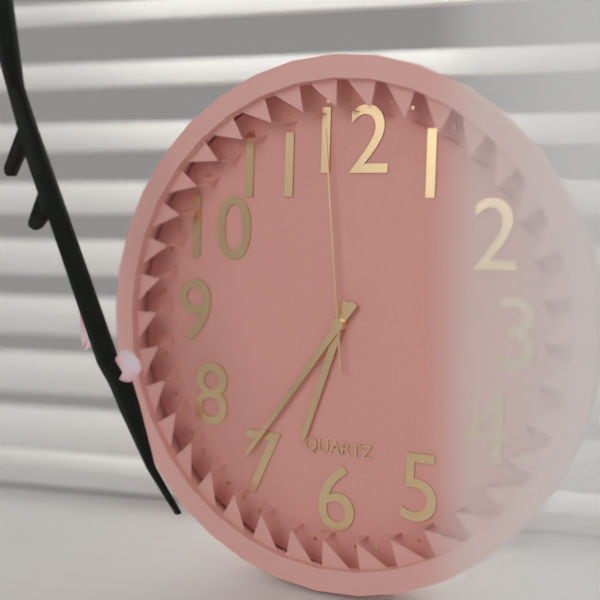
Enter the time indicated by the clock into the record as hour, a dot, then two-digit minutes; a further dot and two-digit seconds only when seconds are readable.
6.36.59
